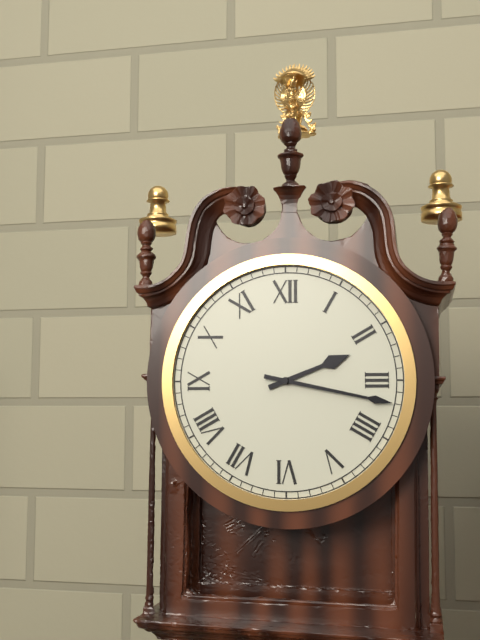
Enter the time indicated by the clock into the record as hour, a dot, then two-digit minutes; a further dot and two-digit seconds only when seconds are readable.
2.17
